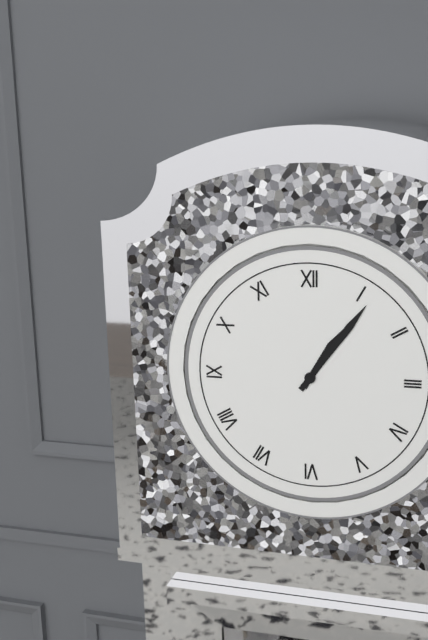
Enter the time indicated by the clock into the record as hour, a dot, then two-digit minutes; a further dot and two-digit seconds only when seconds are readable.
1.06
